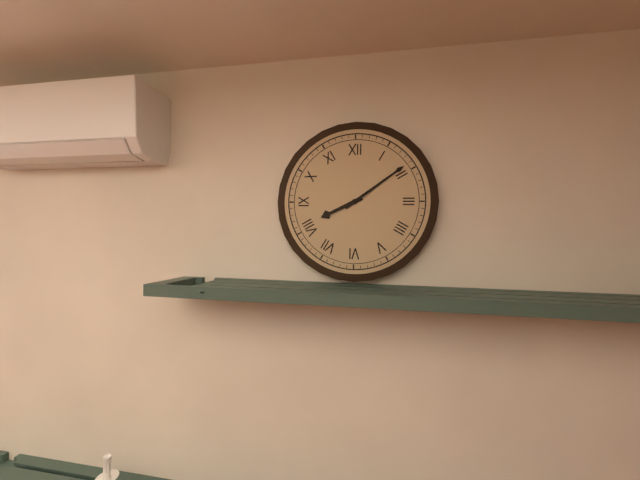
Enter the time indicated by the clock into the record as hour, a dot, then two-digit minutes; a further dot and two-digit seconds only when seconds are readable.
8.09
